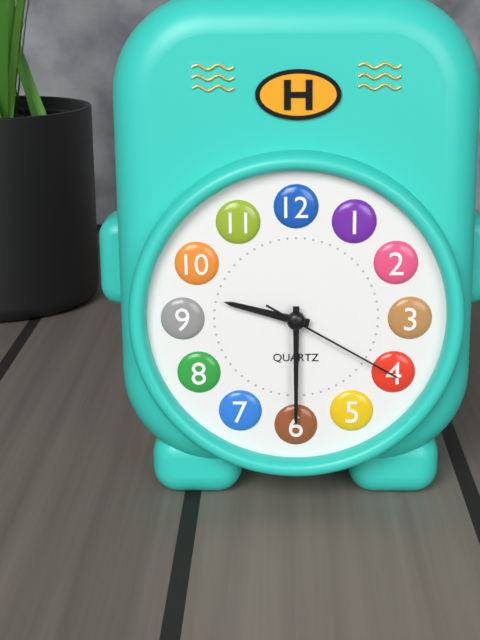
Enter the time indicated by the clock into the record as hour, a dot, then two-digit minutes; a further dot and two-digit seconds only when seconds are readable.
9.30.20
